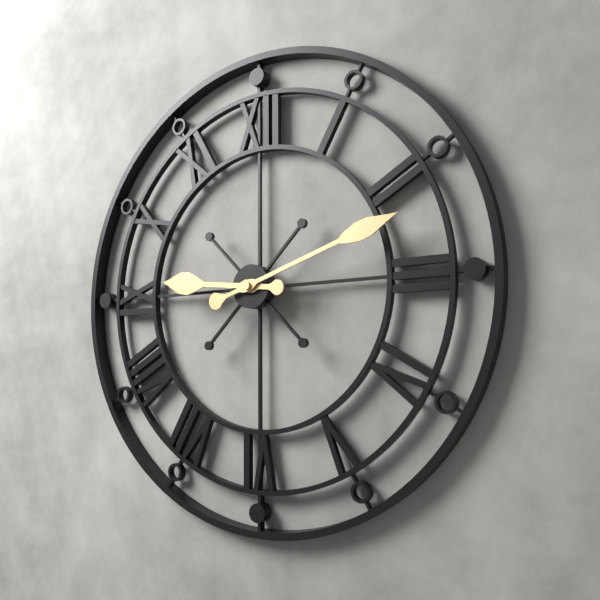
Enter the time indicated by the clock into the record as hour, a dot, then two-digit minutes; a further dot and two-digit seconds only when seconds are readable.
9.12
